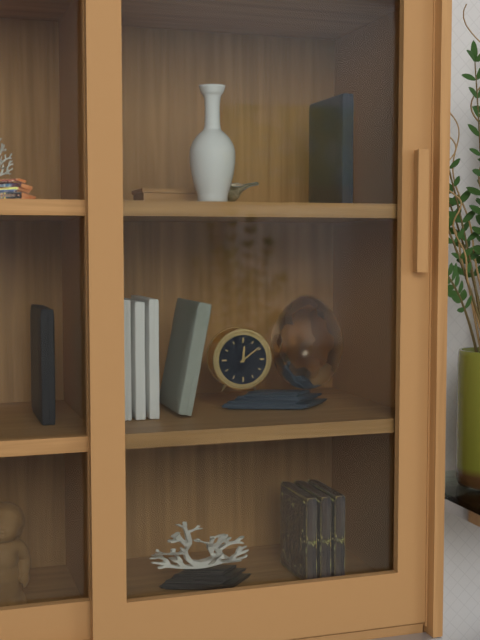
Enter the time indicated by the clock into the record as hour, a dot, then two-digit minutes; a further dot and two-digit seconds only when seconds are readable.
12.09
